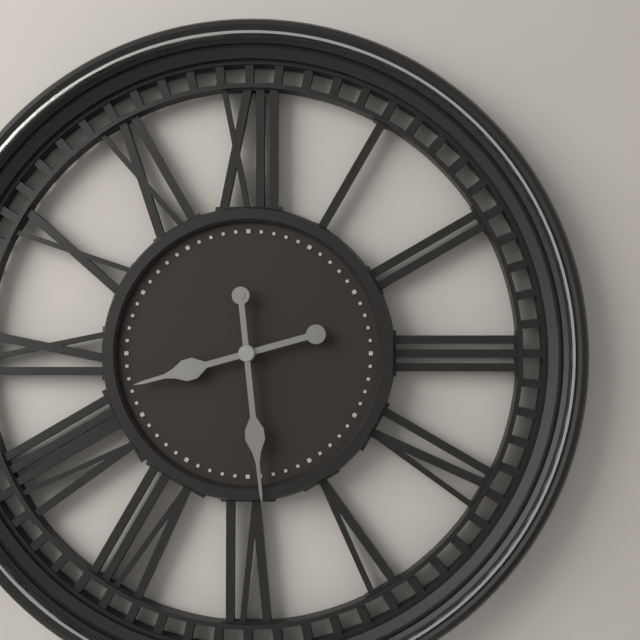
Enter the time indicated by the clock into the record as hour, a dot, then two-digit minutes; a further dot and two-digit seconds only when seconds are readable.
8.29
